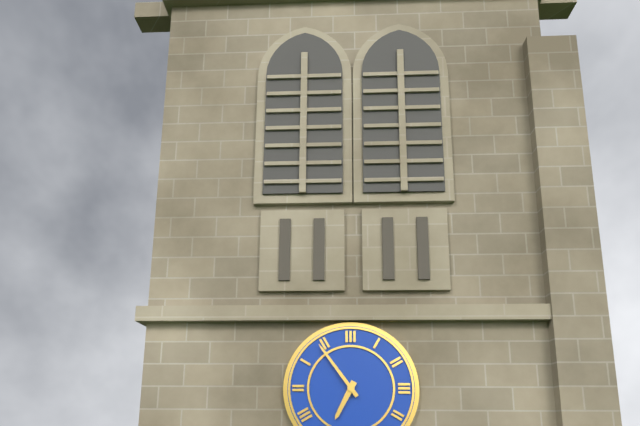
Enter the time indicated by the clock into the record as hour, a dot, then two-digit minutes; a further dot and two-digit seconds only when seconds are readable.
6.54
